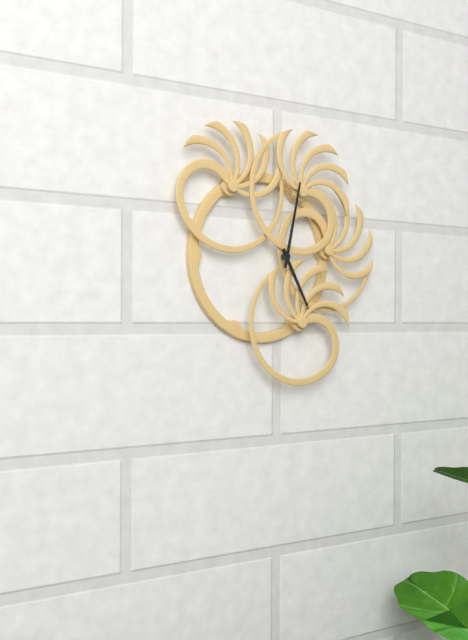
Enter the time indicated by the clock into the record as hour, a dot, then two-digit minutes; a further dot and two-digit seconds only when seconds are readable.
5.02
